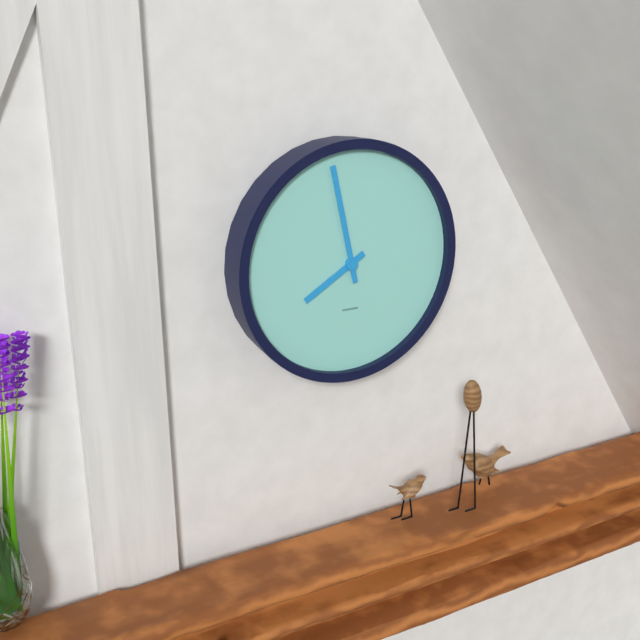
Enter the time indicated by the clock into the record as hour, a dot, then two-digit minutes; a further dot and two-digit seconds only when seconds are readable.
7.58
